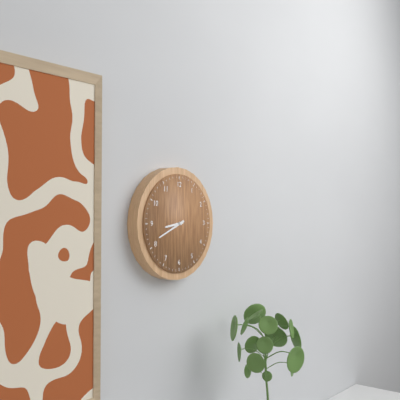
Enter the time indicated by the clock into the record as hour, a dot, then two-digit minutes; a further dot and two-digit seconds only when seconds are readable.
8.41
